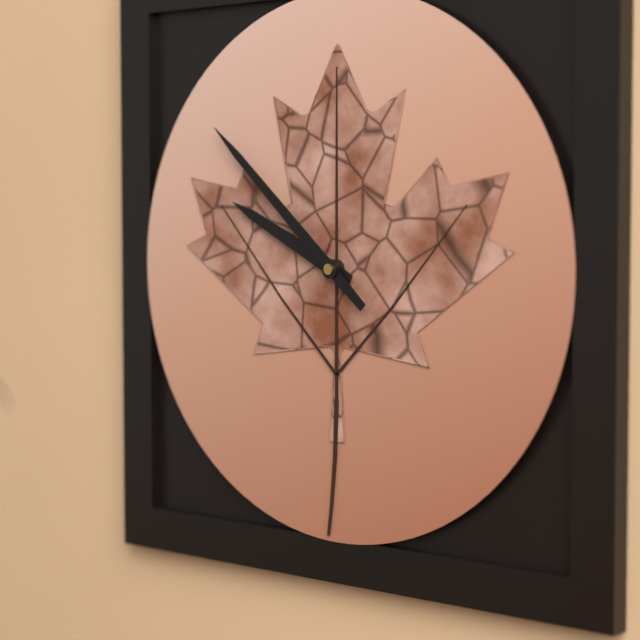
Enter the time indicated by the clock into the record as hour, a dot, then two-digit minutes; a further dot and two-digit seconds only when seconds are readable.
9.52
